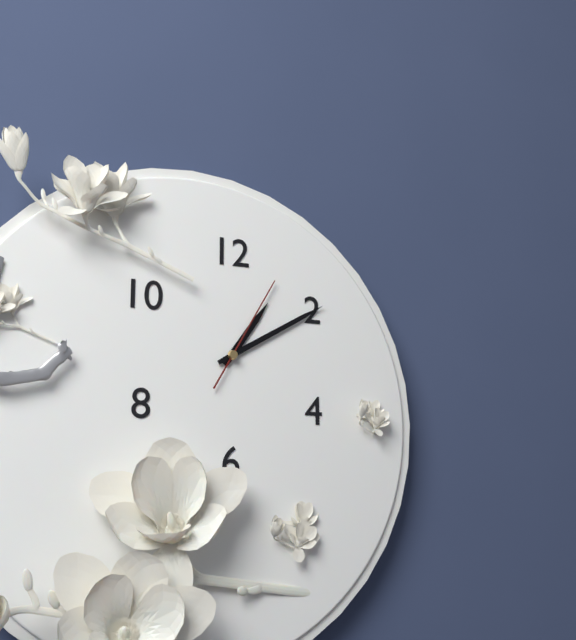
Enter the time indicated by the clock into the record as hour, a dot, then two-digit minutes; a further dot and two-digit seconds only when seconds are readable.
1.10.05
